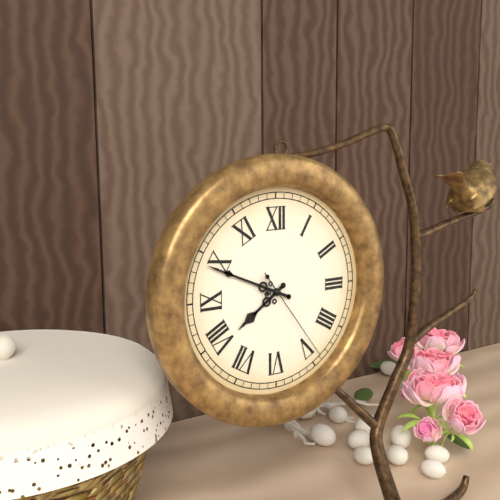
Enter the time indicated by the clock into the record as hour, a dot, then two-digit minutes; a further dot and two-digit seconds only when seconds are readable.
7.49.24
